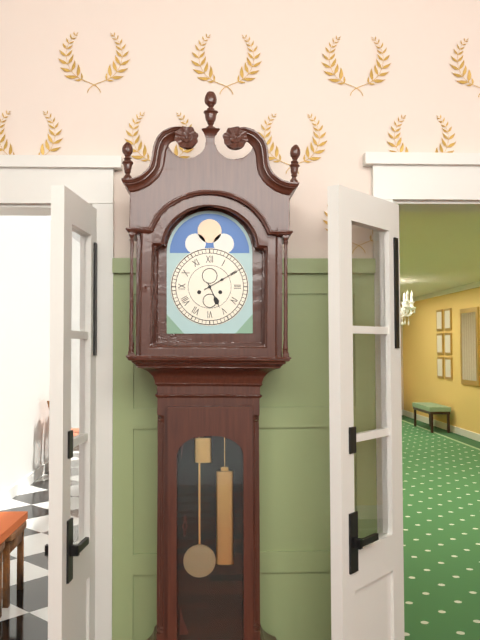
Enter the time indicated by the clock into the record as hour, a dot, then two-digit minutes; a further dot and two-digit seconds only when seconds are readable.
5.10
